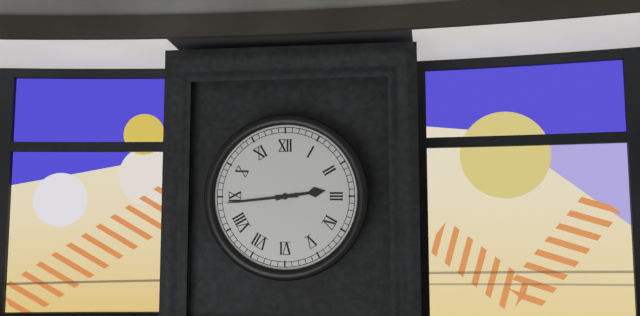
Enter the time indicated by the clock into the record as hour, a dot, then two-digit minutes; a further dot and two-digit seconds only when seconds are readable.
2.44
